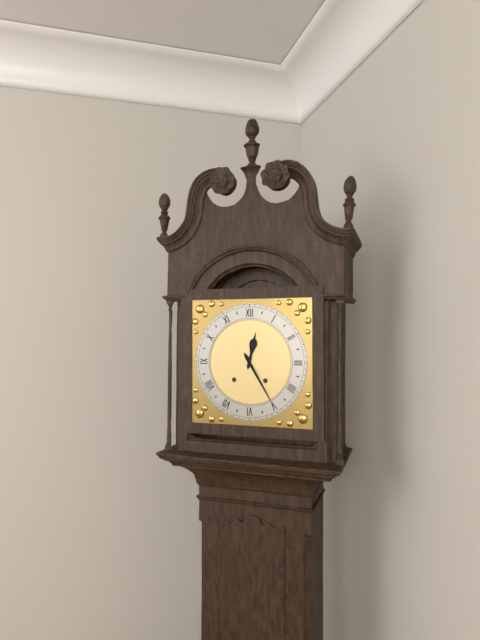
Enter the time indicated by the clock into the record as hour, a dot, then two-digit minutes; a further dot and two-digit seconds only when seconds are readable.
12.25
